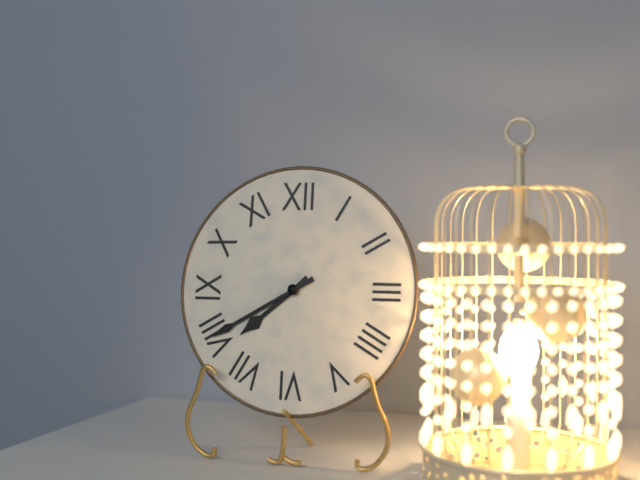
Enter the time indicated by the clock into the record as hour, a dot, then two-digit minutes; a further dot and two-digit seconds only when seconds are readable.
7.40
